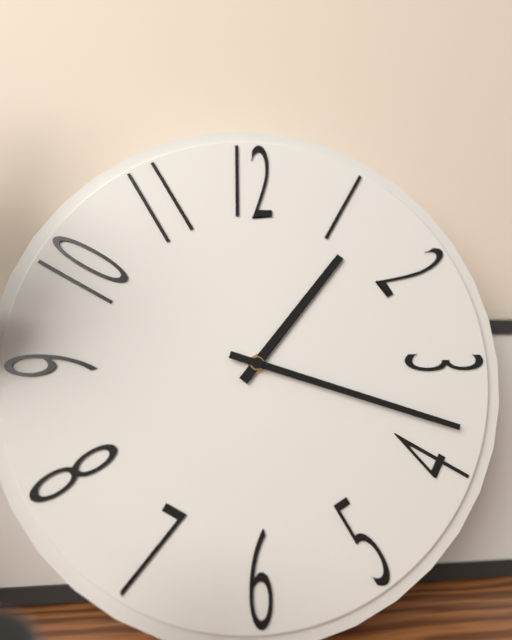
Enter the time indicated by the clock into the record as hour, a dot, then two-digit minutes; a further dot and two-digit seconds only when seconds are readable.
1.18
